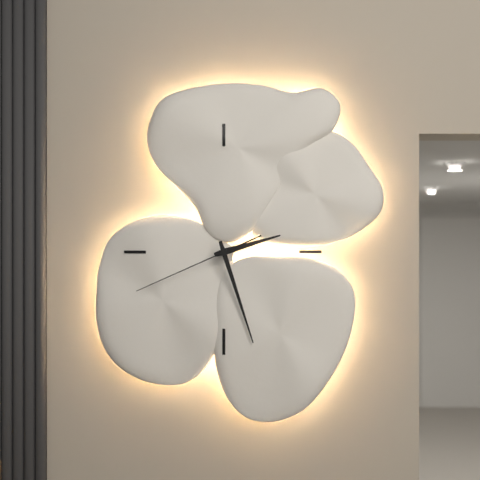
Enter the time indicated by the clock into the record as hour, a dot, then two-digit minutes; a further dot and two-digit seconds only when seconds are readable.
2.27.41
